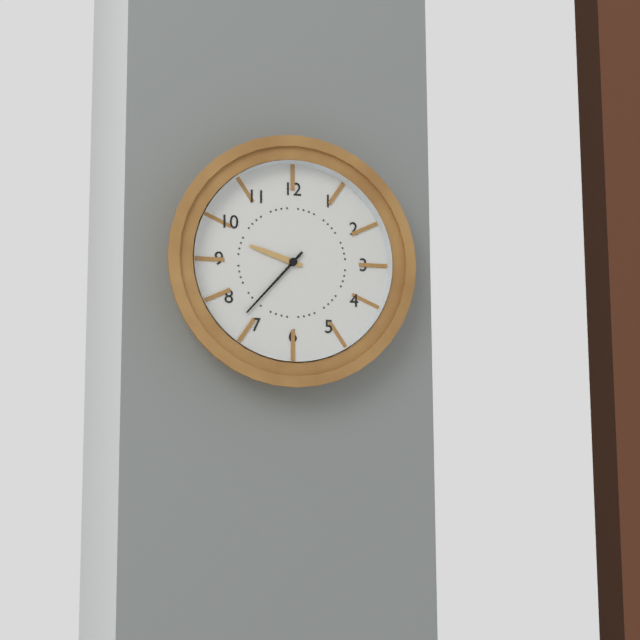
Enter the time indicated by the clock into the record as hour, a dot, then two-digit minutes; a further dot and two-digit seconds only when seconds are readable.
9.37
